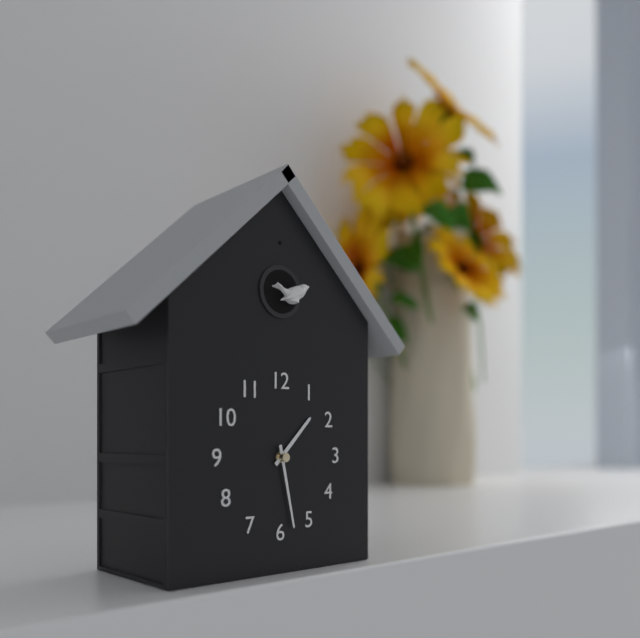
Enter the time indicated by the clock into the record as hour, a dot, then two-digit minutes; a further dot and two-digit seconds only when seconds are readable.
1.28
